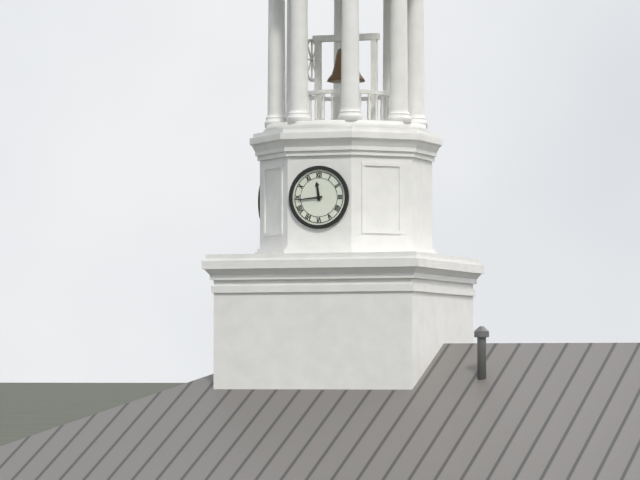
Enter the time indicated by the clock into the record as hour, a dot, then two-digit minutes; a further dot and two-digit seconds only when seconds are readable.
11.44
